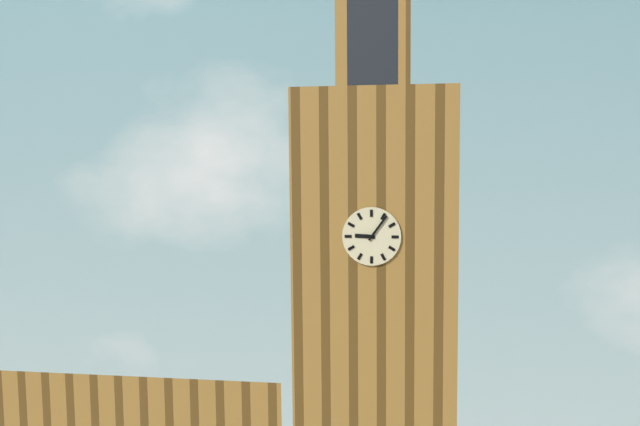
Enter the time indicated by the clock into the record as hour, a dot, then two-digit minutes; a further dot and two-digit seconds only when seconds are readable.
9.06
